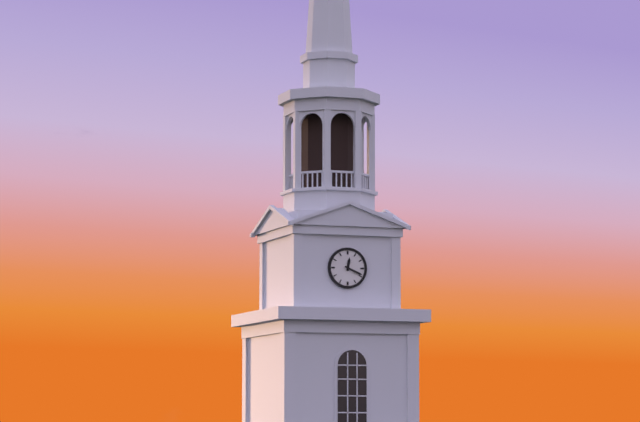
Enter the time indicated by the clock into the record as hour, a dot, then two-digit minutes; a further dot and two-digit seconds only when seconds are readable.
12.19
